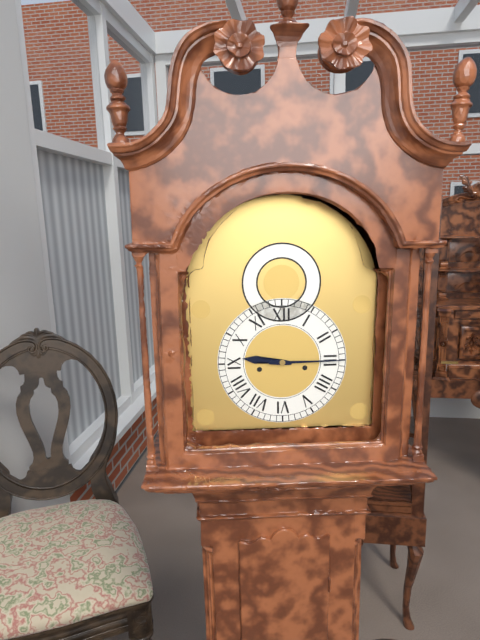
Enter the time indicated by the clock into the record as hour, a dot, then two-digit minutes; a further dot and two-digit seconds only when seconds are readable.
9.15
